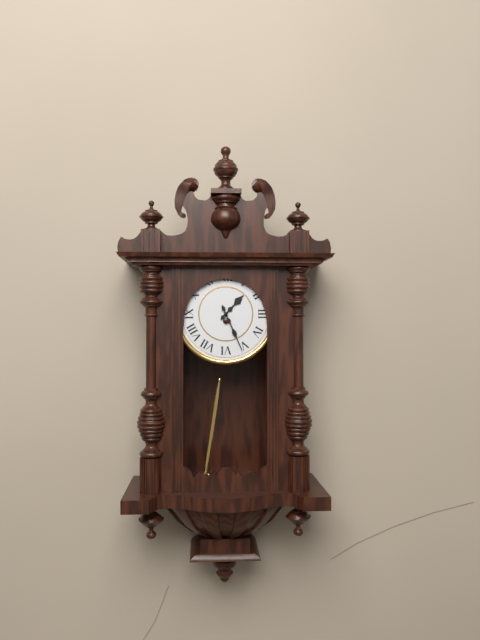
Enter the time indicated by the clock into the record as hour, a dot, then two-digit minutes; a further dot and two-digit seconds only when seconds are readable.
1.26
